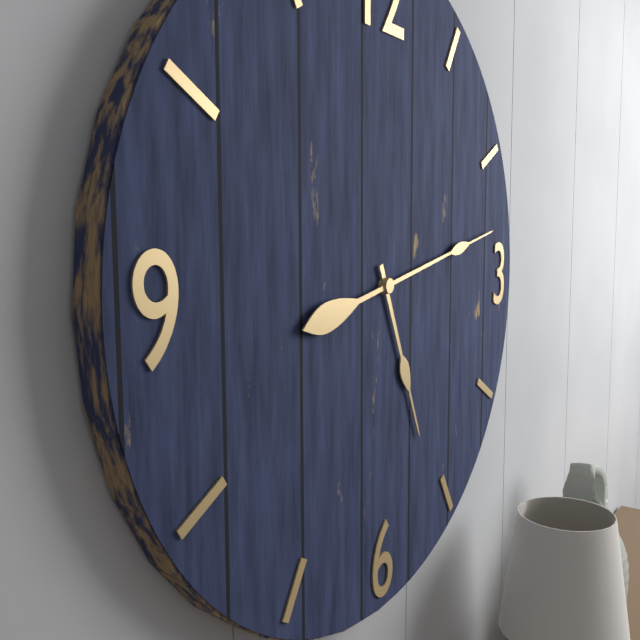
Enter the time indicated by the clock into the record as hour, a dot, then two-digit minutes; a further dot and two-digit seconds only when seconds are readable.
5.13
